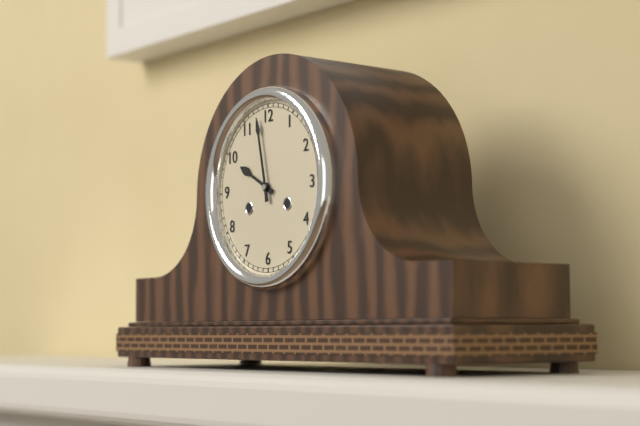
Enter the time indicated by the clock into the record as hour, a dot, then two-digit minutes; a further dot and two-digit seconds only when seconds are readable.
9.58
